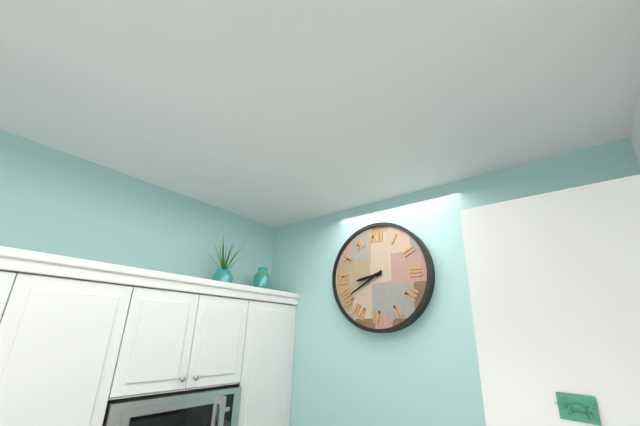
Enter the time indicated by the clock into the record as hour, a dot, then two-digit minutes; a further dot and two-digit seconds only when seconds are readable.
8.40
